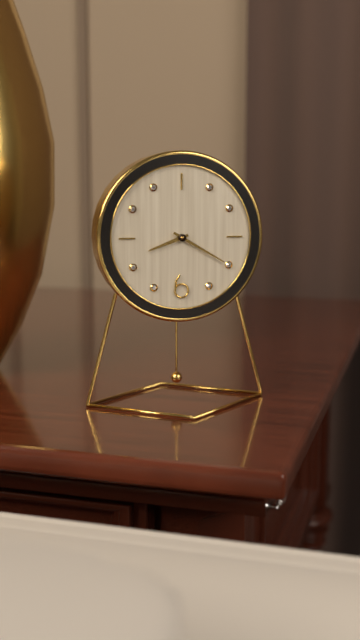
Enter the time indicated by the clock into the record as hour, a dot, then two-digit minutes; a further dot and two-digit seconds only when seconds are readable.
8.20
